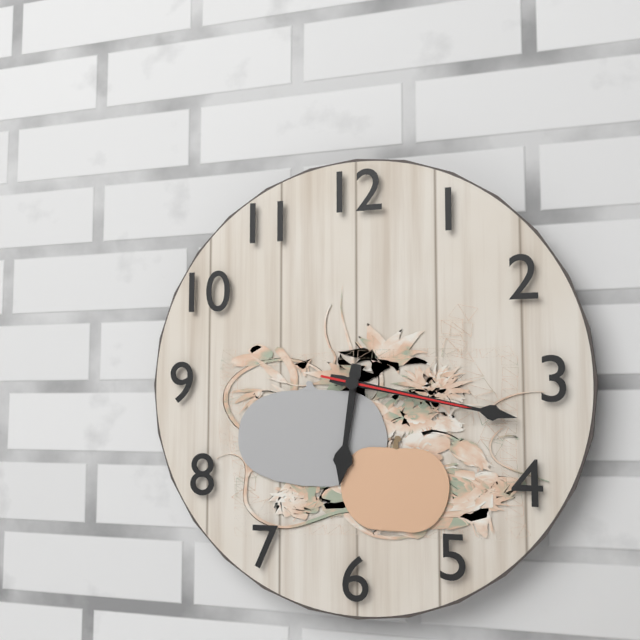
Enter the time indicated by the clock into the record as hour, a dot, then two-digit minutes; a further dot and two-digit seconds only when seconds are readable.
6.17.17
